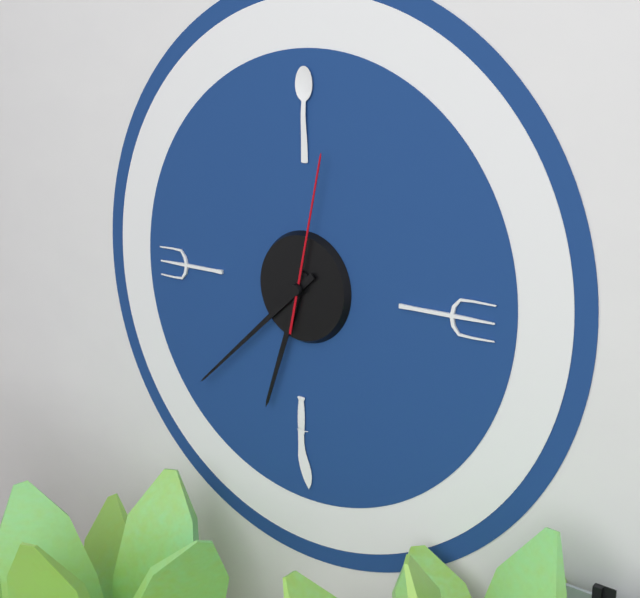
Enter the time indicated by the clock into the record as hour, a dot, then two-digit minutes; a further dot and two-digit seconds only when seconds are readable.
6.38.02
